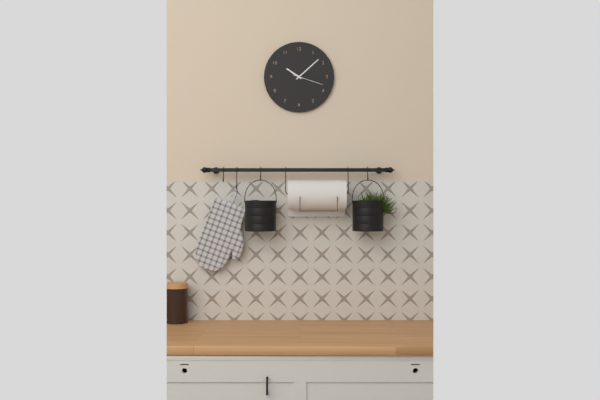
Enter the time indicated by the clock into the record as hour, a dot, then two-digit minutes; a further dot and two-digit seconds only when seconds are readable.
10.08
